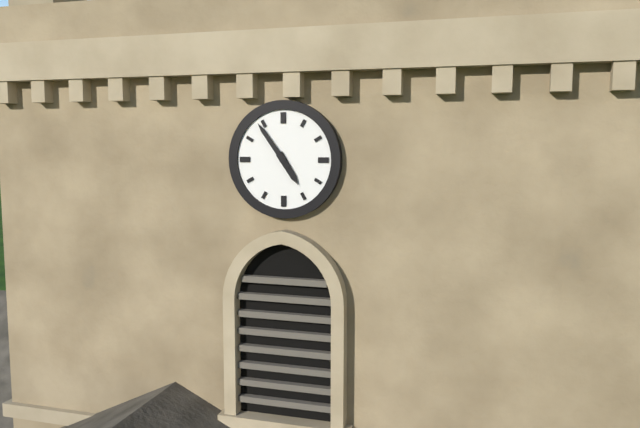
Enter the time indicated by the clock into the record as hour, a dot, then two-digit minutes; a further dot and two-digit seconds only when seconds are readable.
4.54
